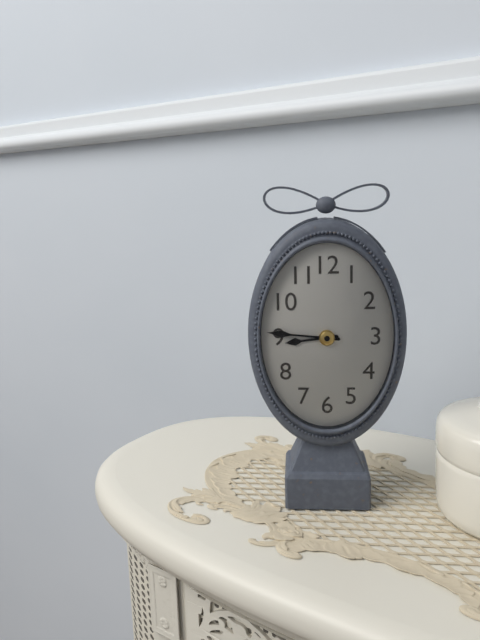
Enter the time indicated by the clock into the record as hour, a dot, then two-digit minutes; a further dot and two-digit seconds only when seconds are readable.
8.46
